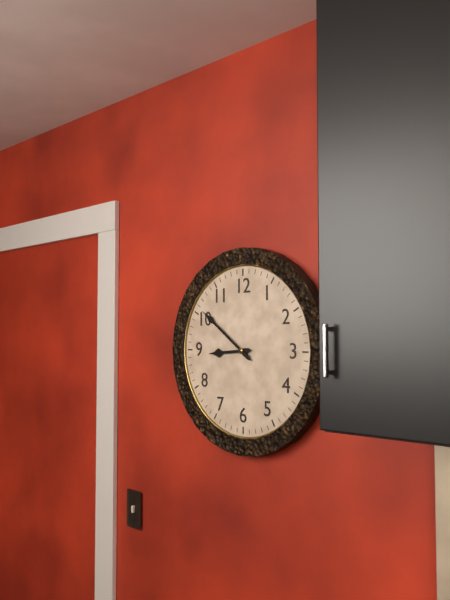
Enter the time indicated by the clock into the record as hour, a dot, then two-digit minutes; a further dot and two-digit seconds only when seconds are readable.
8.51
